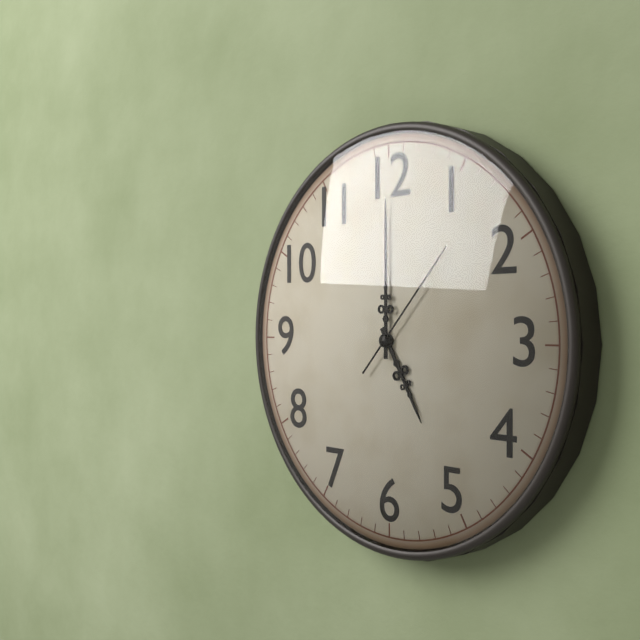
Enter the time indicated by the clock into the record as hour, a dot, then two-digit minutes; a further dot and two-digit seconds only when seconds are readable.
5.00.07
